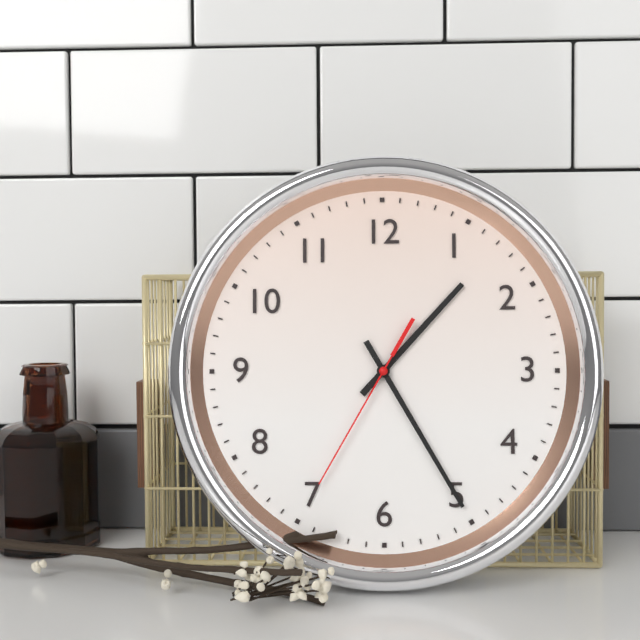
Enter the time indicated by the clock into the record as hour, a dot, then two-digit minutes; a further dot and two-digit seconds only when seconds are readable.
1.25.35
